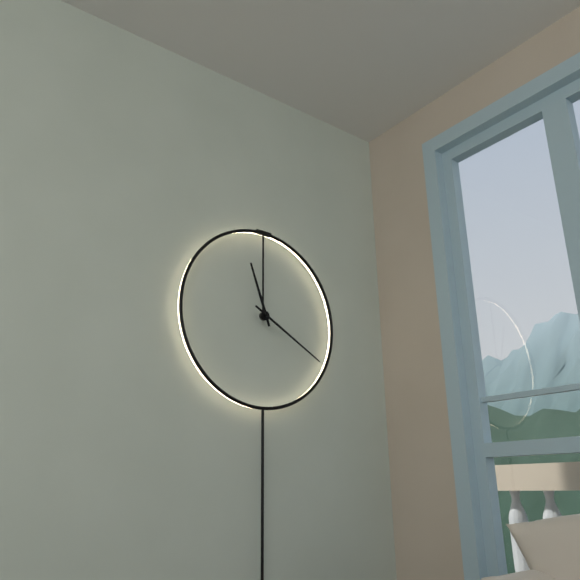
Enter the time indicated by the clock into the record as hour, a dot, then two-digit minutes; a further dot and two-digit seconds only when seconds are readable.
11.20
